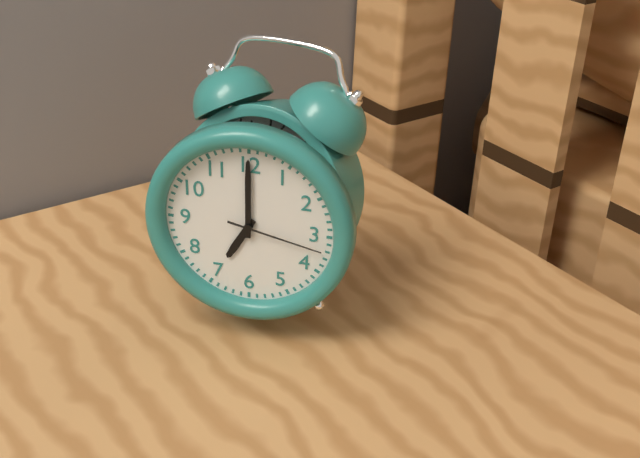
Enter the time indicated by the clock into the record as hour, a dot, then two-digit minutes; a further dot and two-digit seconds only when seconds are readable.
7.00.17
